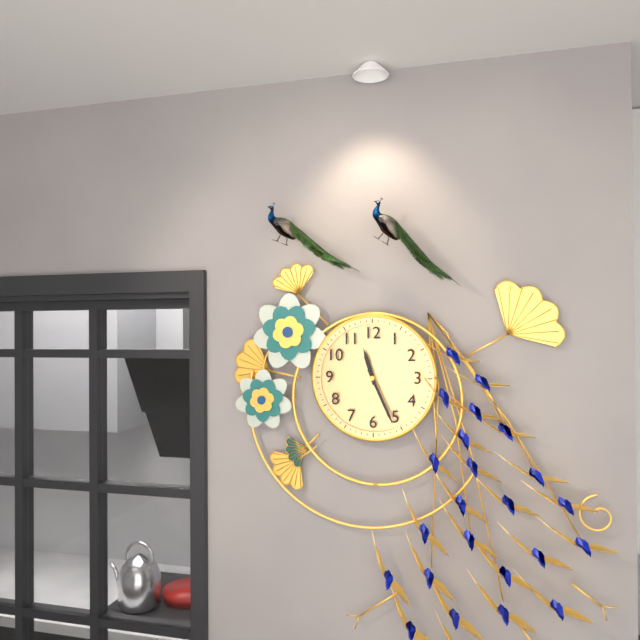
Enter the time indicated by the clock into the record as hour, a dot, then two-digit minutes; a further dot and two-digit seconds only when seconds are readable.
11.26
